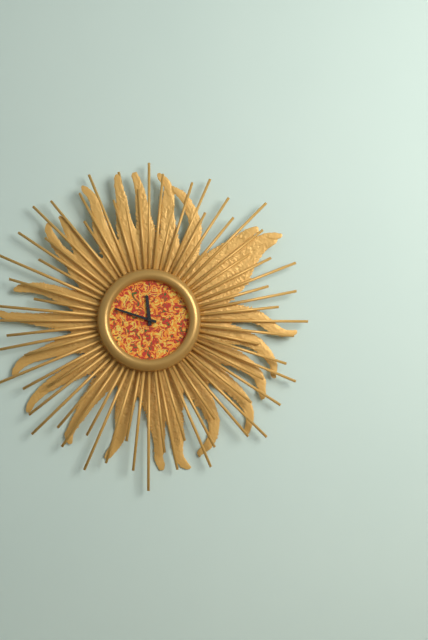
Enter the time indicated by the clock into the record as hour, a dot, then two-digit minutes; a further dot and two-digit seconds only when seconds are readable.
11.48
